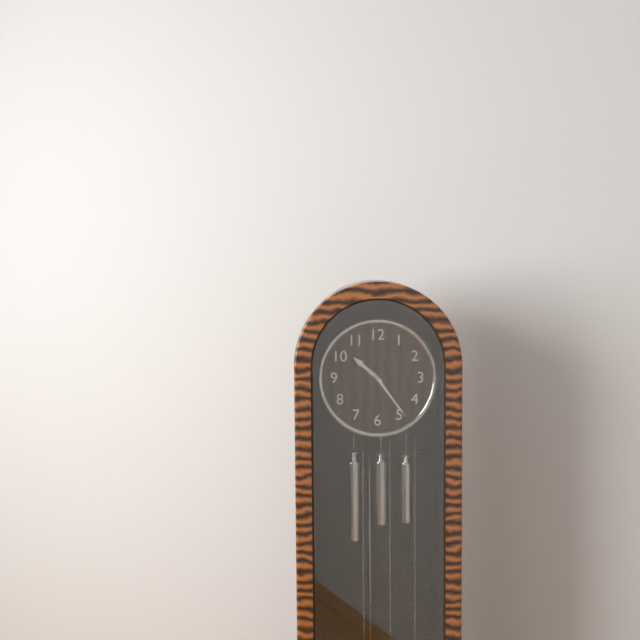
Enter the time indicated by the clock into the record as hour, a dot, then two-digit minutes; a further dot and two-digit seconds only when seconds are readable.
10.24
